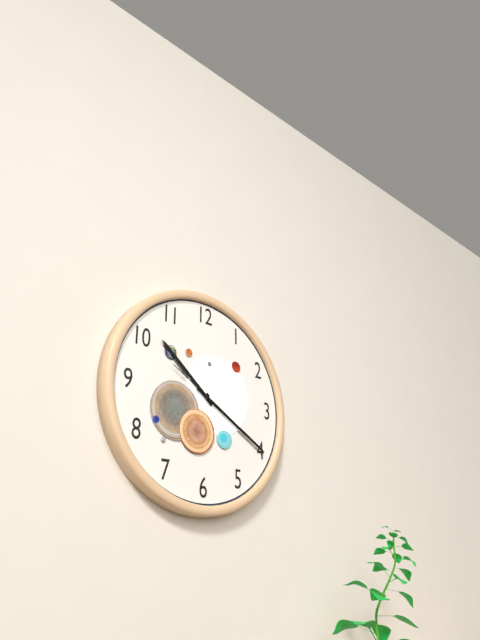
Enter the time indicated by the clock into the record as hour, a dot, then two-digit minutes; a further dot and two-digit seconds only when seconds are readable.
10.20.50
